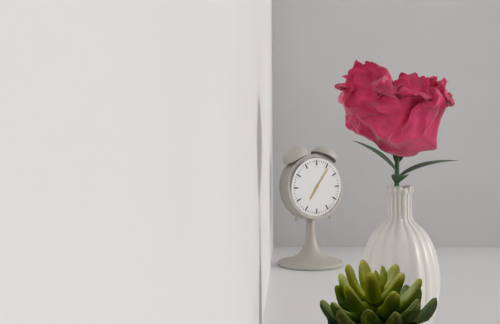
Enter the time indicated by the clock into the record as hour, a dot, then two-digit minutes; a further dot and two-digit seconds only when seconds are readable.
7.06
